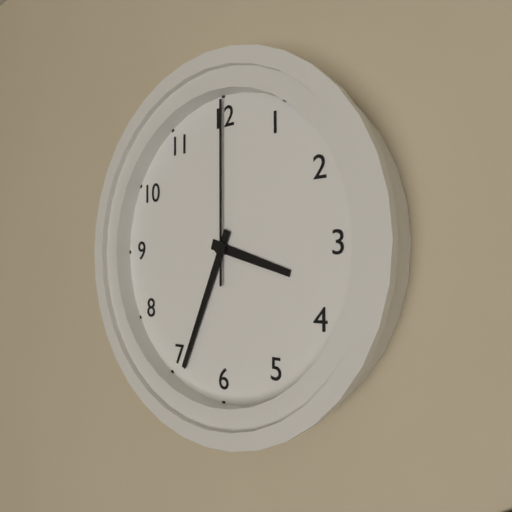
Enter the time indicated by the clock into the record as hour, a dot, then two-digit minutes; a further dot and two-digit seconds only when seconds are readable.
3.34.00
